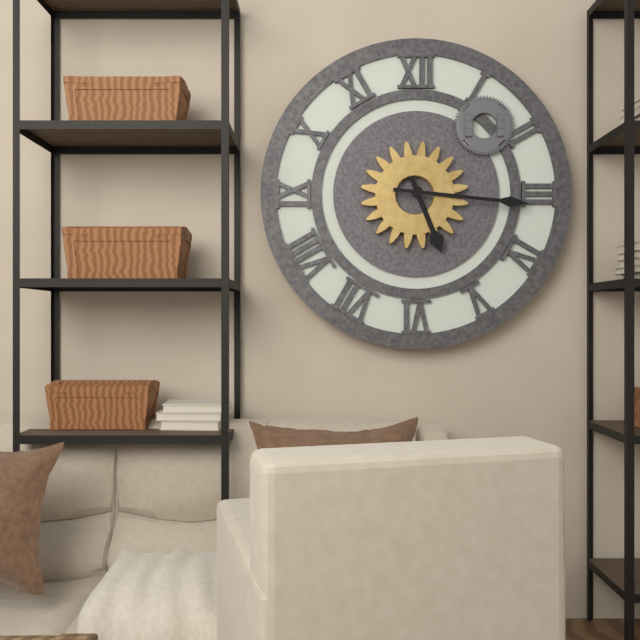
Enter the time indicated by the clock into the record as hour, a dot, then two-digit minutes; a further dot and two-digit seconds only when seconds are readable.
5.16
